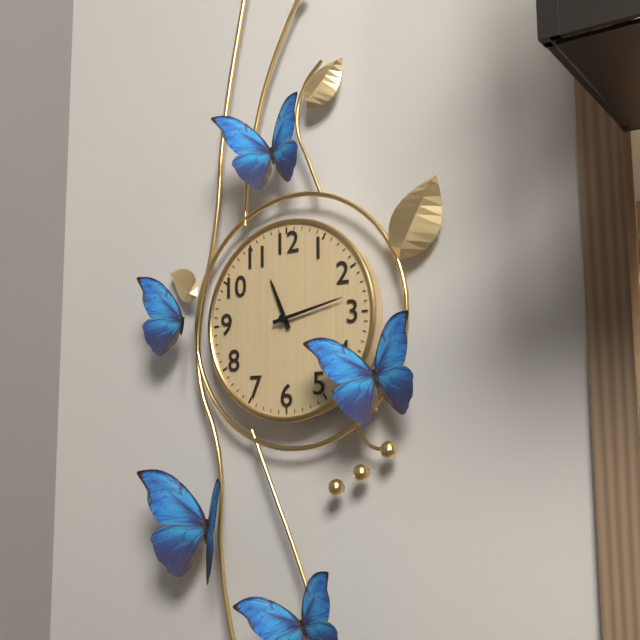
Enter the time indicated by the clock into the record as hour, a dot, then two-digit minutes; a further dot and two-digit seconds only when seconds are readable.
11.13
